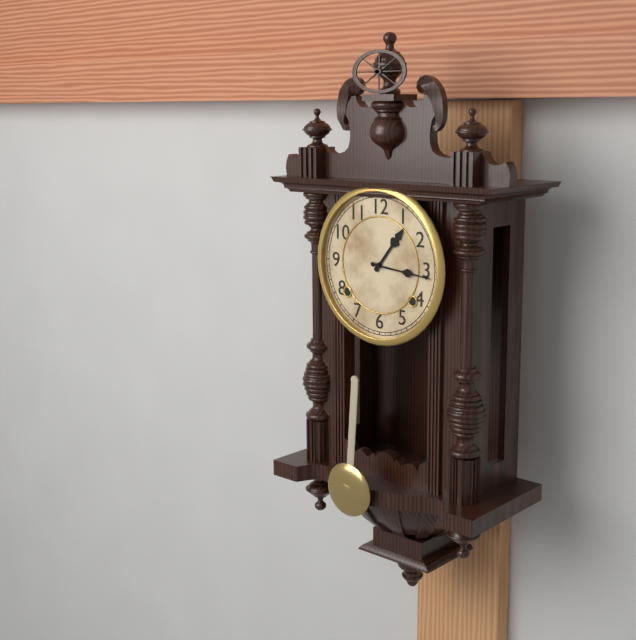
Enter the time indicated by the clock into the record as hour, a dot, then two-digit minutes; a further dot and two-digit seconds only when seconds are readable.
1.16
